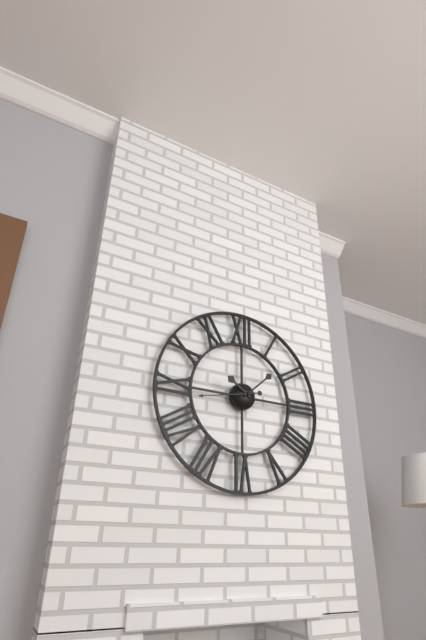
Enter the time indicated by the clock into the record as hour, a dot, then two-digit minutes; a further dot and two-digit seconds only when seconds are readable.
10.08.43
